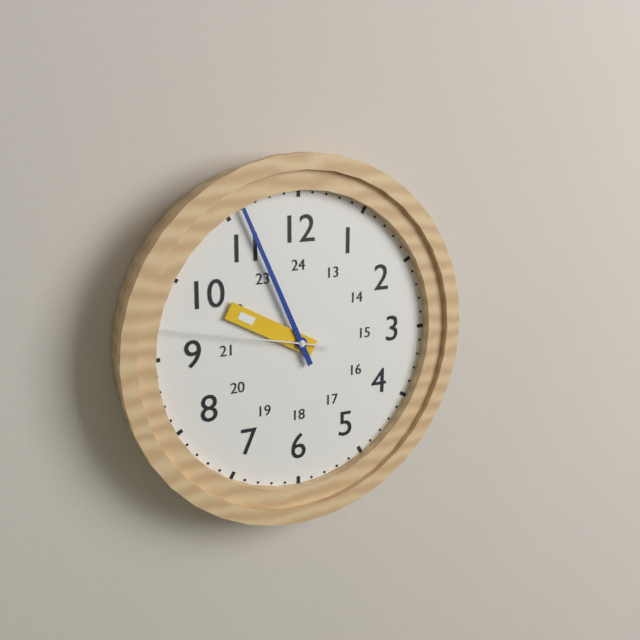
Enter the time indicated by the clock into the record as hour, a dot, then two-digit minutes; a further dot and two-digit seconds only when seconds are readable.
9.56.47
